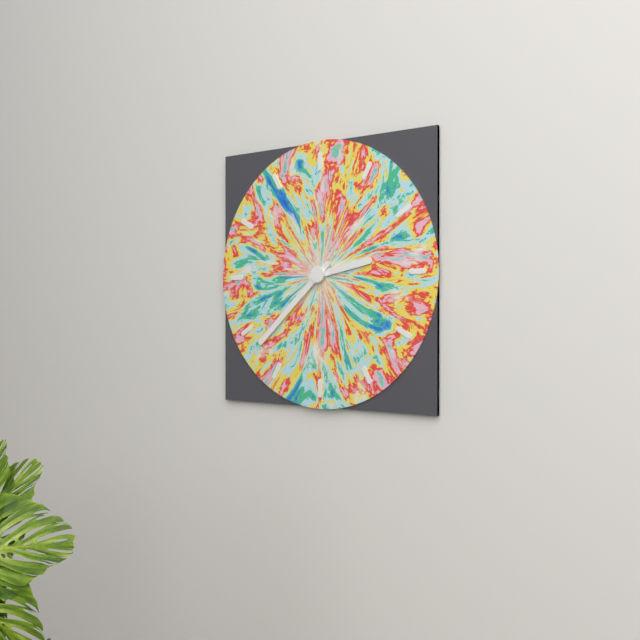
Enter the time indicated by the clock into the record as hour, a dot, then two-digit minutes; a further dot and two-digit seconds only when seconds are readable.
2.38
